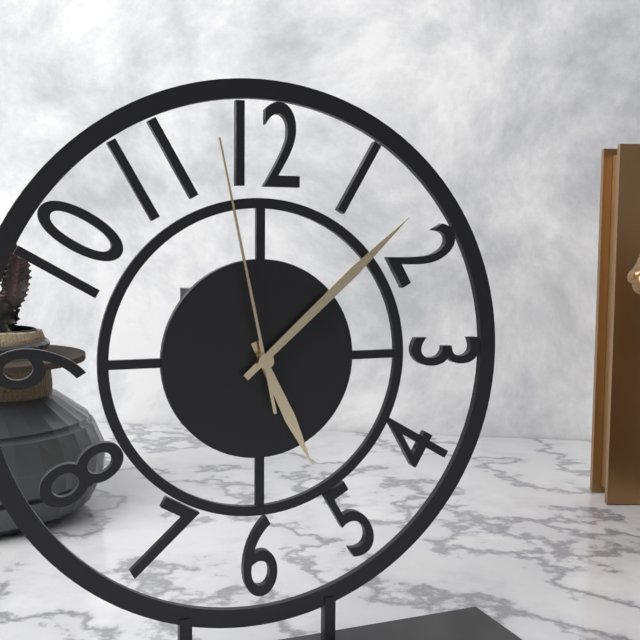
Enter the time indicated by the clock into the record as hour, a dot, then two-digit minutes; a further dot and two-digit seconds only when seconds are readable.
5.08.58
